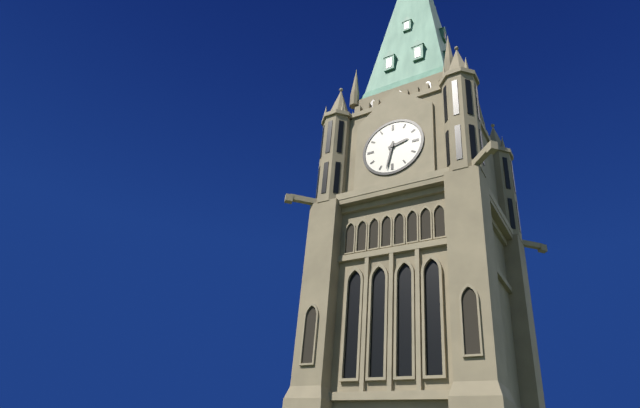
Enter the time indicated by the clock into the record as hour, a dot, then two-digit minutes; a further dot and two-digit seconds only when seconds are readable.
2.32
